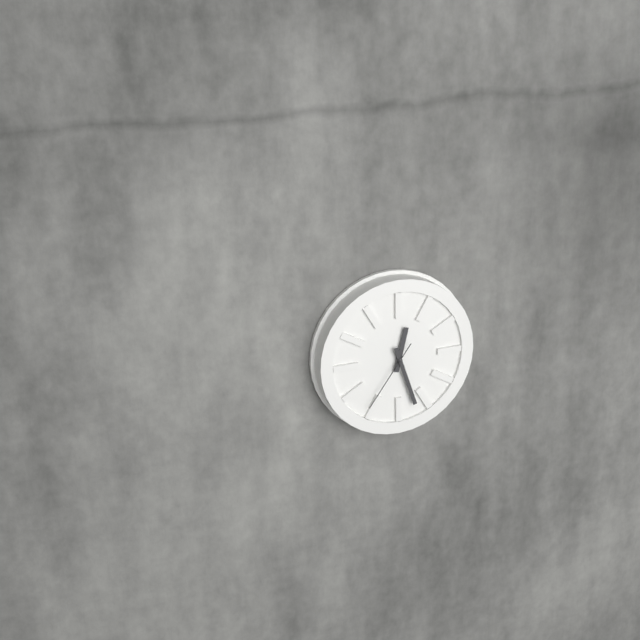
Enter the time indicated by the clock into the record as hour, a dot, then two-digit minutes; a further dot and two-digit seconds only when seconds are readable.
12.27.36
